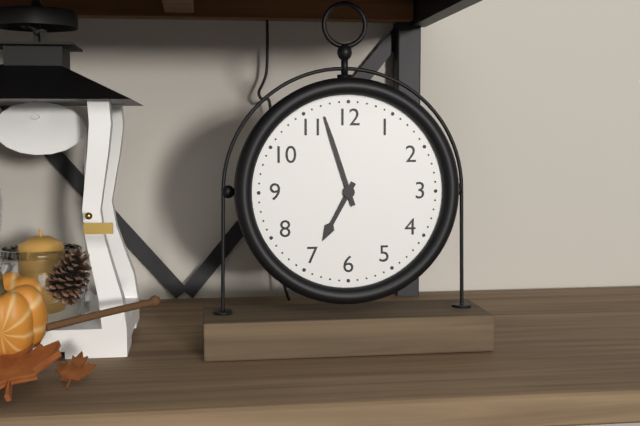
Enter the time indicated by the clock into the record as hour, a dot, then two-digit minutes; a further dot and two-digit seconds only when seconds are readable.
6.57
